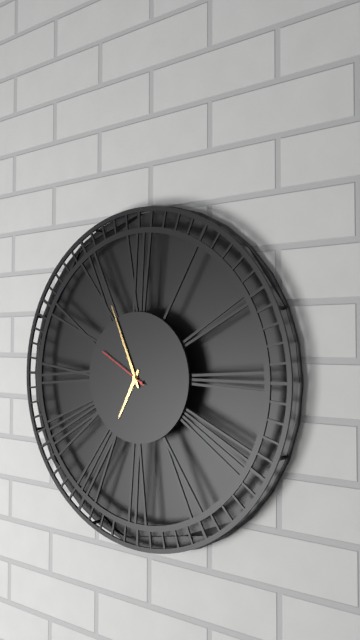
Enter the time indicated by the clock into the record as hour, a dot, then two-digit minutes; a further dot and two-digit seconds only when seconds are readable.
6.56.50
